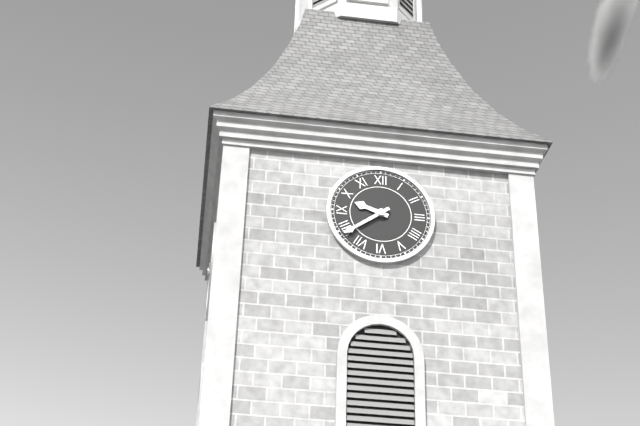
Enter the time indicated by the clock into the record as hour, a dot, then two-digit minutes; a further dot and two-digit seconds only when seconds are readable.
9.39
